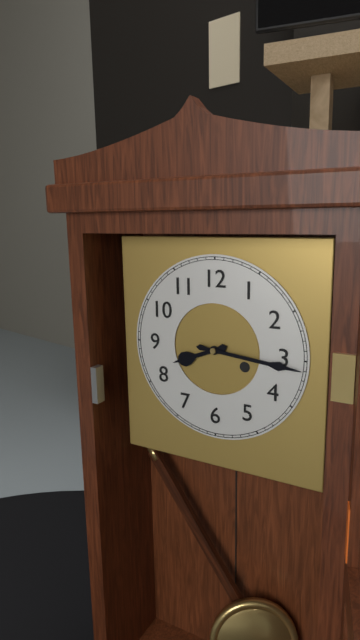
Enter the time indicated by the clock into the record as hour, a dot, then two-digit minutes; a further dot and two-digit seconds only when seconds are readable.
8.16
